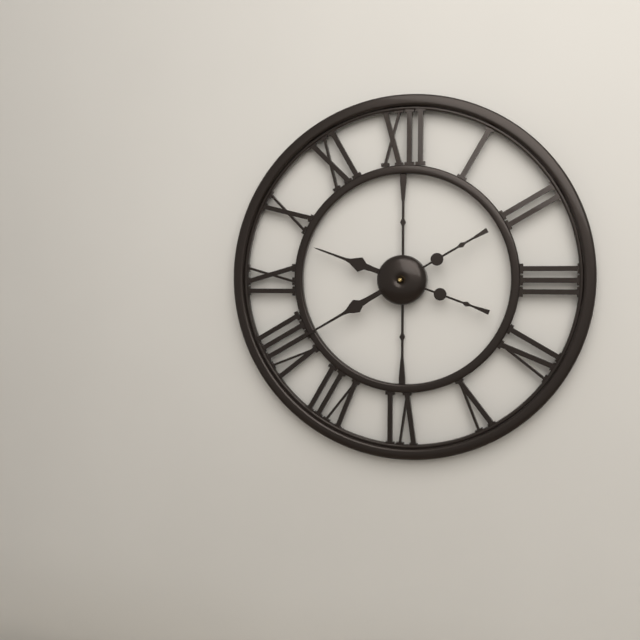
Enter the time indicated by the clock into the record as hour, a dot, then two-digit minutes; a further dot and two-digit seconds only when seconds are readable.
9.40
